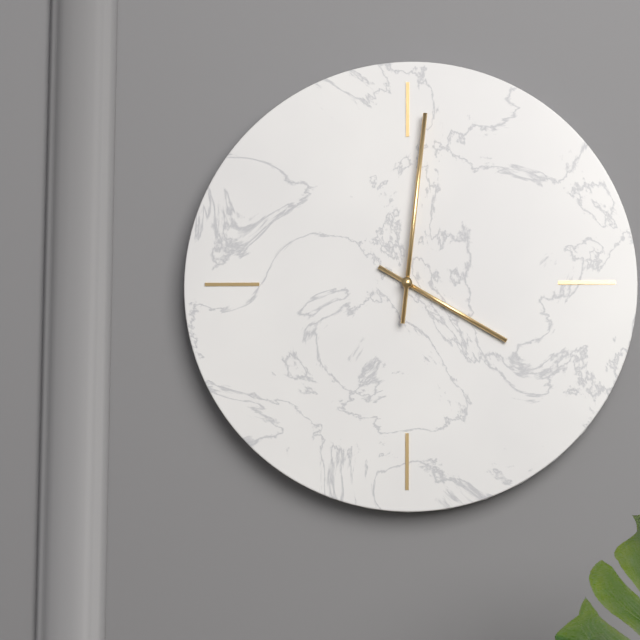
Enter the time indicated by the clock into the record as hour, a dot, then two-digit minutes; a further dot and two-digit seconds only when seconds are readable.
4.01
